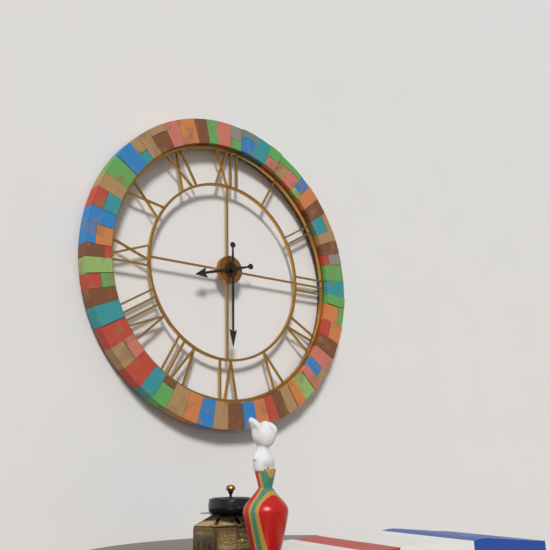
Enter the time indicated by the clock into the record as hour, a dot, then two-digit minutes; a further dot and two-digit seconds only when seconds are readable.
8.30
